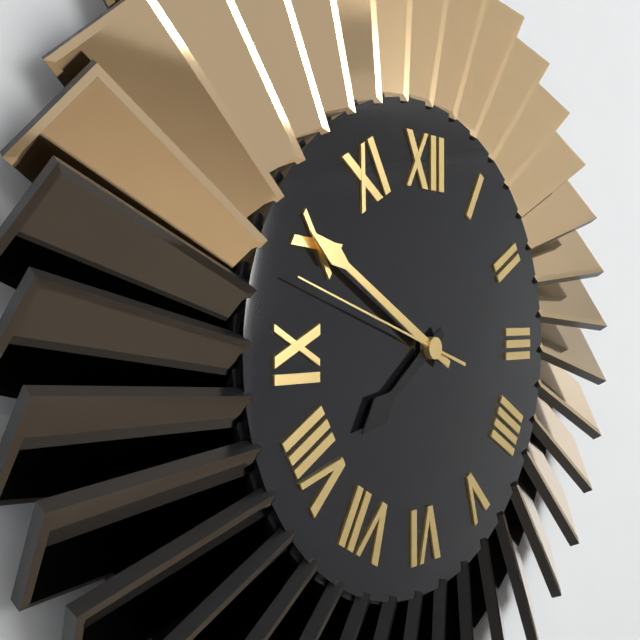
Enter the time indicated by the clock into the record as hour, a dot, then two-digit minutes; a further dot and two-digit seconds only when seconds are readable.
7.50.48
